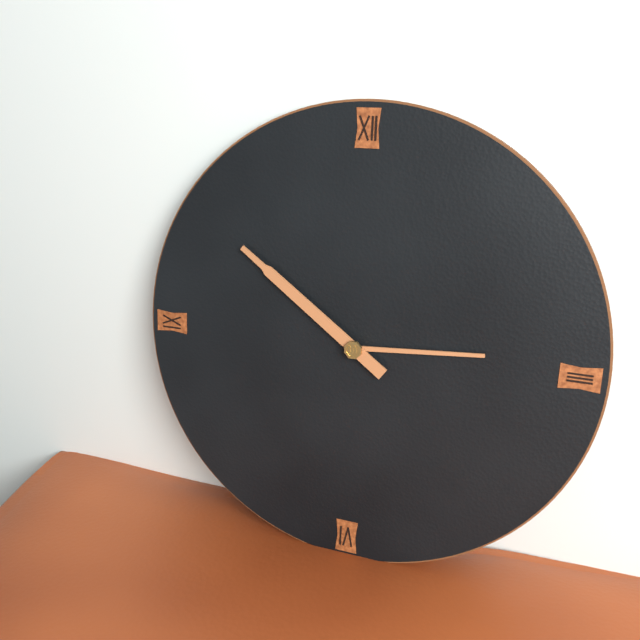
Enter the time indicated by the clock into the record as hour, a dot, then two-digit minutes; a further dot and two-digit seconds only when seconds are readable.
2.51
